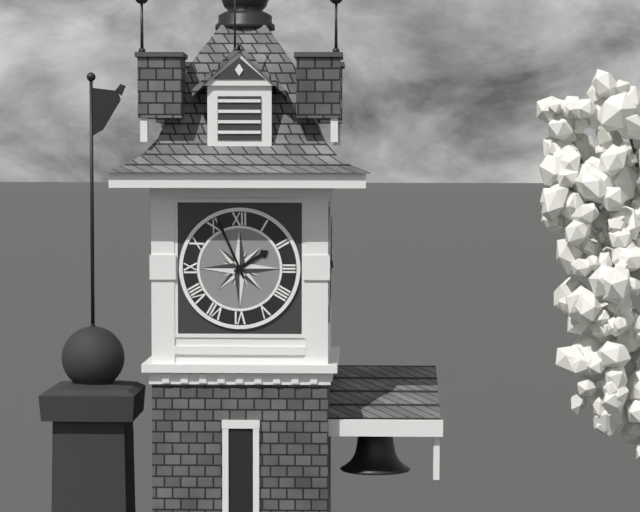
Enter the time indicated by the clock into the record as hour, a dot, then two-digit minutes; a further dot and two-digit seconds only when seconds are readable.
1.56
